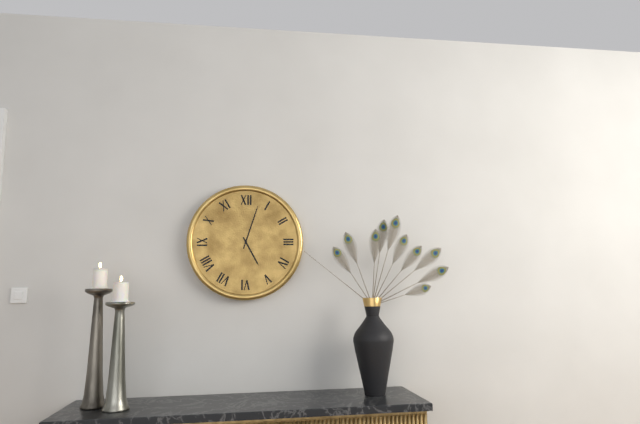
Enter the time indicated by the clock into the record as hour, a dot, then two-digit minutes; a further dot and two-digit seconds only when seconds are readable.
5.03
